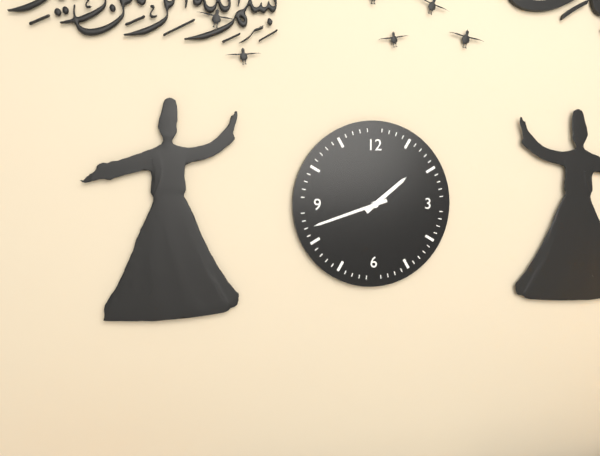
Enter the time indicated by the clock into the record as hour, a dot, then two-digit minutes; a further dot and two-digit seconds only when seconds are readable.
1.42
